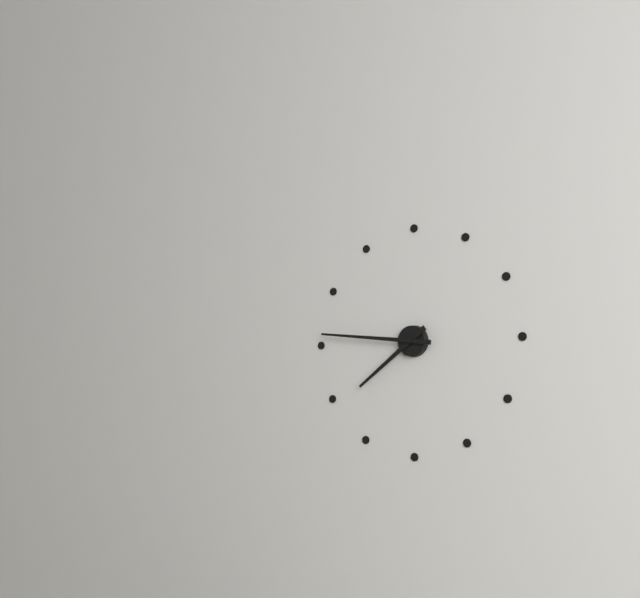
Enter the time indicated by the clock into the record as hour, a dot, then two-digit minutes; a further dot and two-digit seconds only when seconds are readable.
7.46
